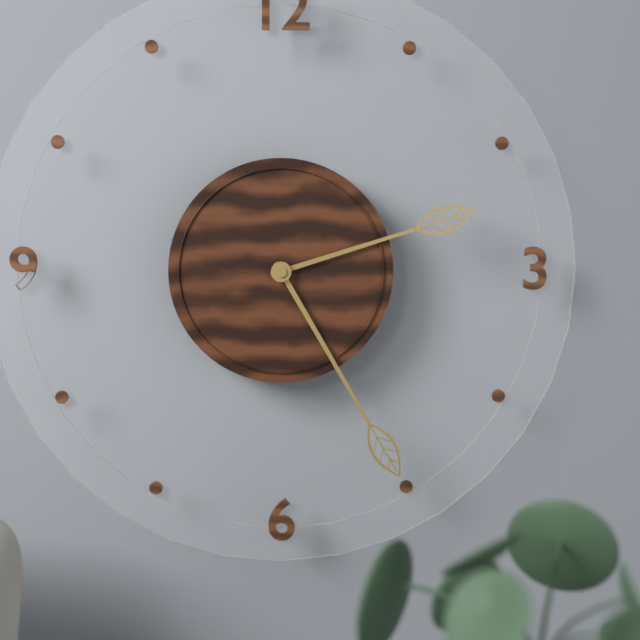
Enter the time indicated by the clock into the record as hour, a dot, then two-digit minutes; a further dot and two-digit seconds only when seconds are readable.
2.25
